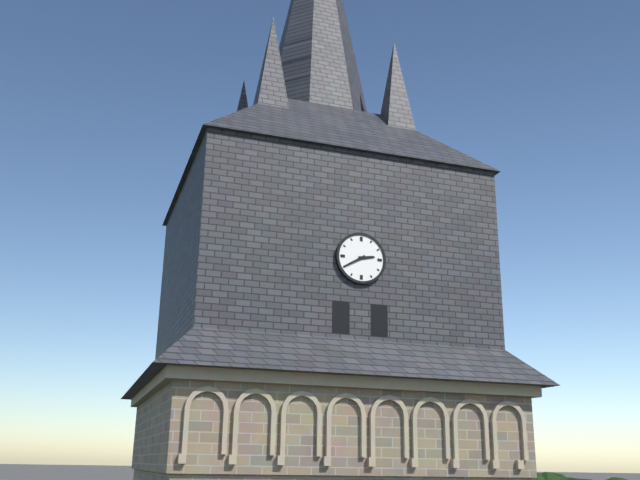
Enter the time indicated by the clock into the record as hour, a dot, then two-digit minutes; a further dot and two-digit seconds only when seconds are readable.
2.40
